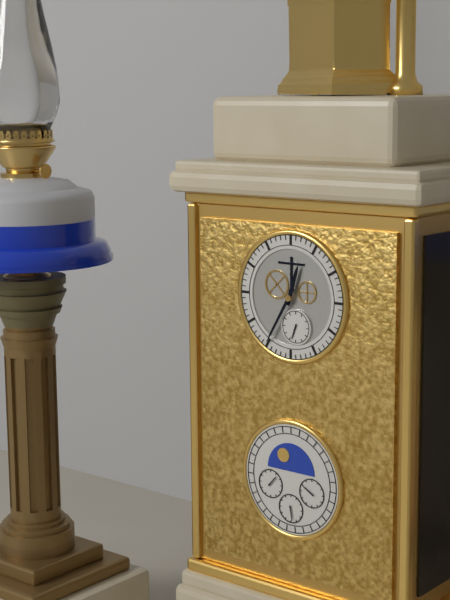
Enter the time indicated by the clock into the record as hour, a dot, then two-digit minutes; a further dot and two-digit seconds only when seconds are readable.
12.35
